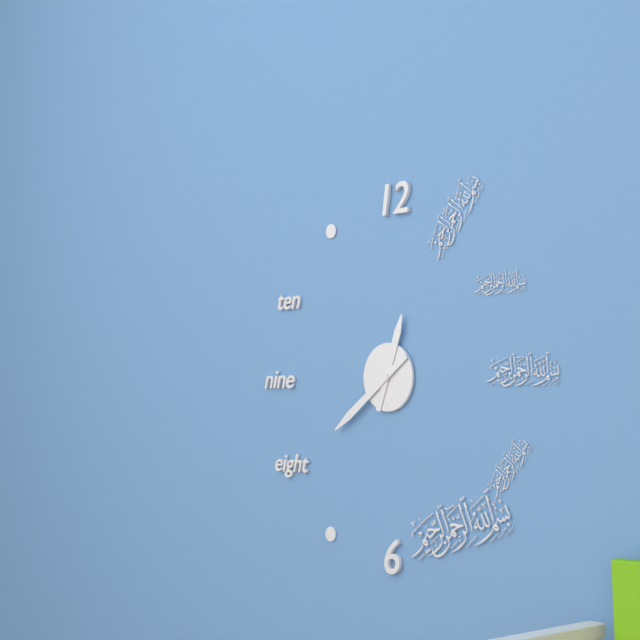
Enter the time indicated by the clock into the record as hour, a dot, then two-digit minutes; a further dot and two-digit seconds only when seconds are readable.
12.39
